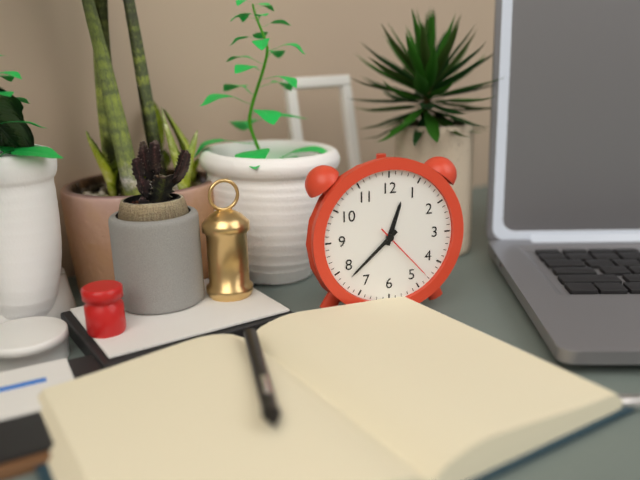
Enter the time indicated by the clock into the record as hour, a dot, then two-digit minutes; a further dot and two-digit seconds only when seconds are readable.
12.38.23
